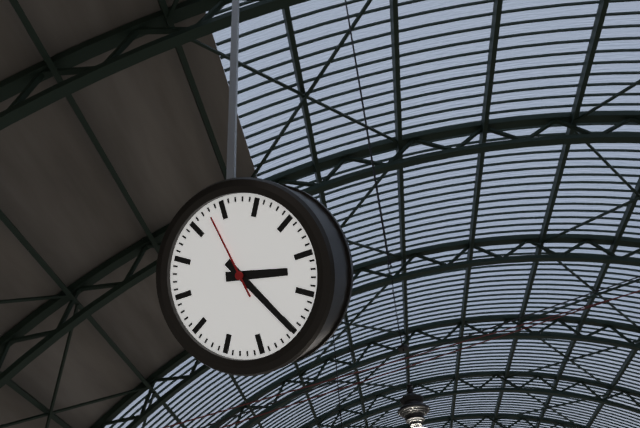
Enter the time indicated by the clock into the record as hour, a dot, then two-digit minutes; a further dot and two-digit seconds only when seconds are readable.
3.25.58
